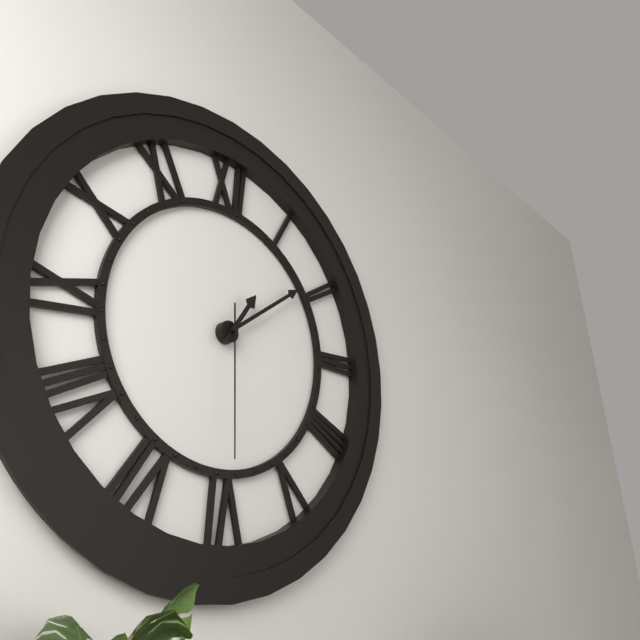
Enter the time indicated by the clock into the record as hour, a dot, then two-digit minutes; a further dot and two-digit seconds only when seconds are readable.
1.09.30
